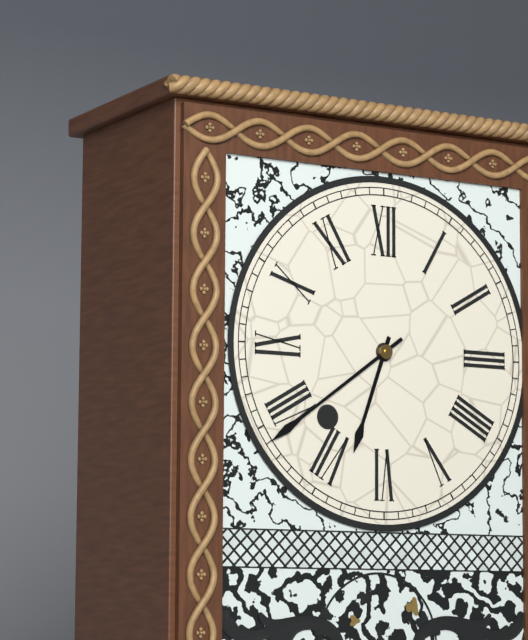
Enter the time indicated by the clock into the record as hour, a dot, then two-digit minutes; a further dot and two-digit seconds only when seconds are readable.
6.39
